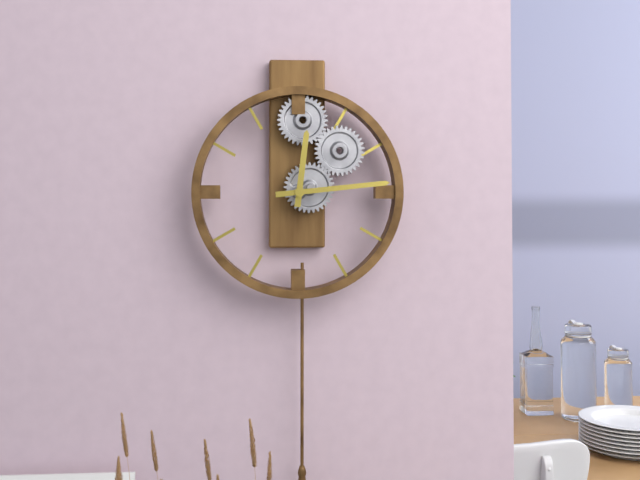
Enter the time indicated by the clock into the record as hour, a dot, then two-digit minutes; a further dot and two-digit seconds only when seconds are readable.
12.14
